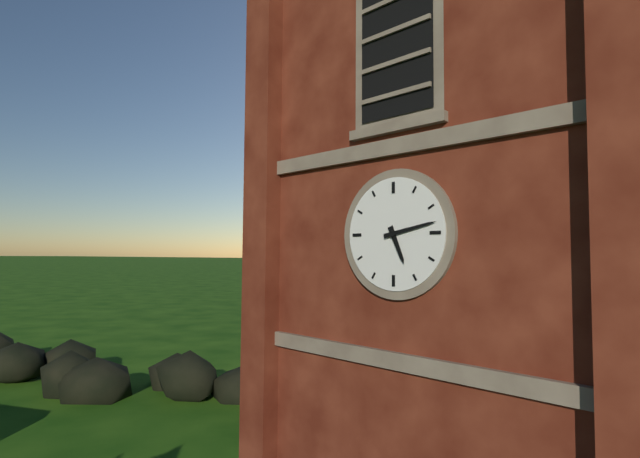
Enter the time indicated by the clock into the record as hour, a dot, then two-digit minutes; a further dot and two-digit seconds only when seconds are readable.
5.13
